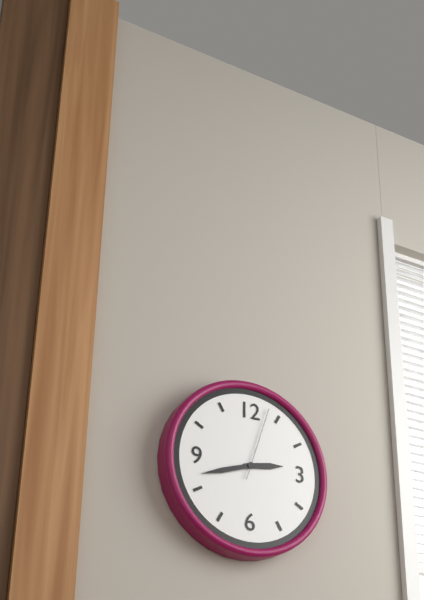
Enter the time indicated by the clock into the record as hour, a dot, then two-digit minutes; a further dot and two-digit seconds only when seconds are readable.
2.42.03
